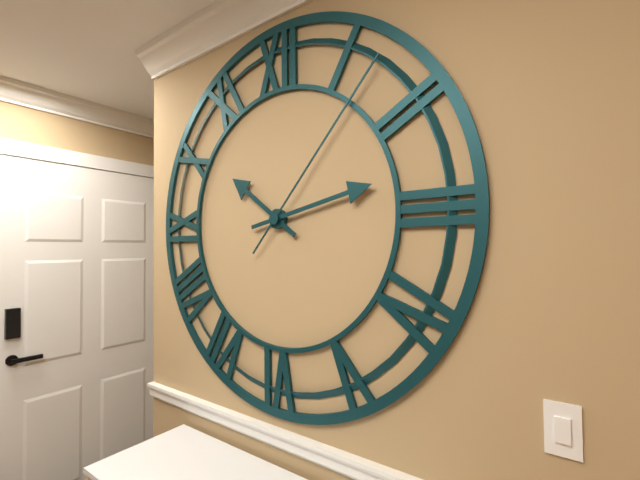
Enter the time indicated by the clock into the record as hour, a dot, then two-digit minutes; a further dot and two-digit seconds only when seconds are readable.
10.13.07
